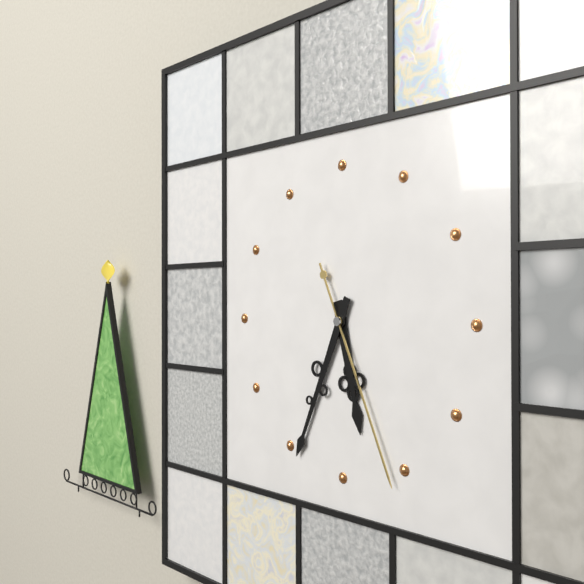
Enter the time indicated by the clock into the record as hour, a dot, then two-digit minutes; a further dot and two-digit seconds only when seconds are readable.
5.34.26
